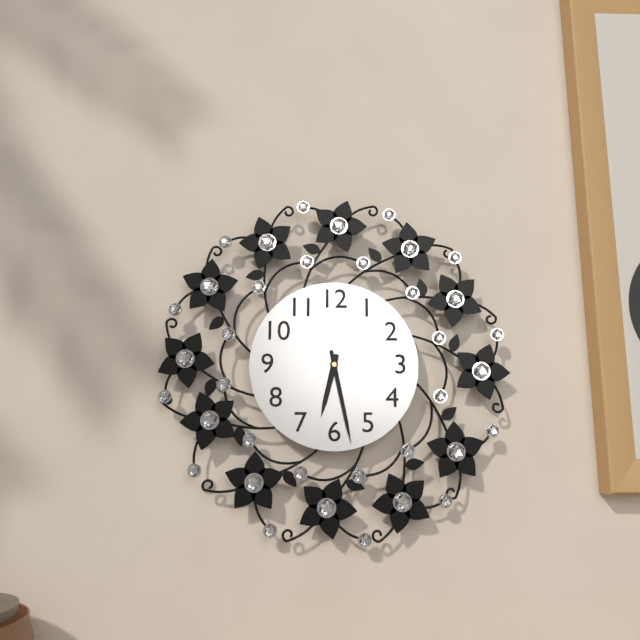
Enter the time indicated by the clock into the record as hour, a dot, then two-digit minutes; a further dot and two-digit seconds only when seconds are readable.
6.28
